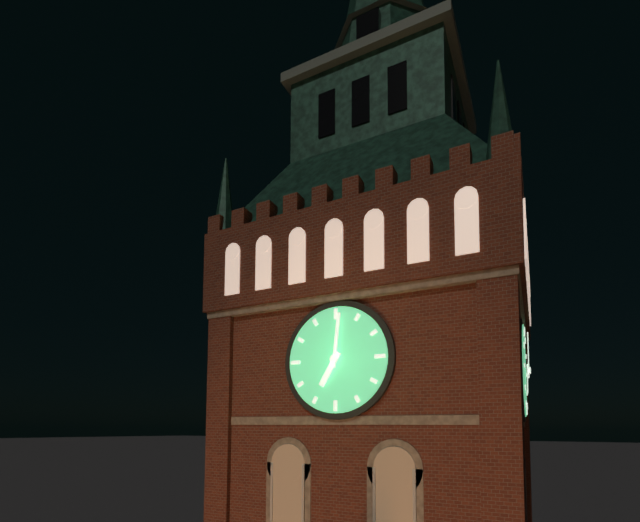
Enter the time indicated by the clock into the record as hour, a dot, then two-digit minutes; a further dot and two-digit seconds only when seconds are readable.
7.01
